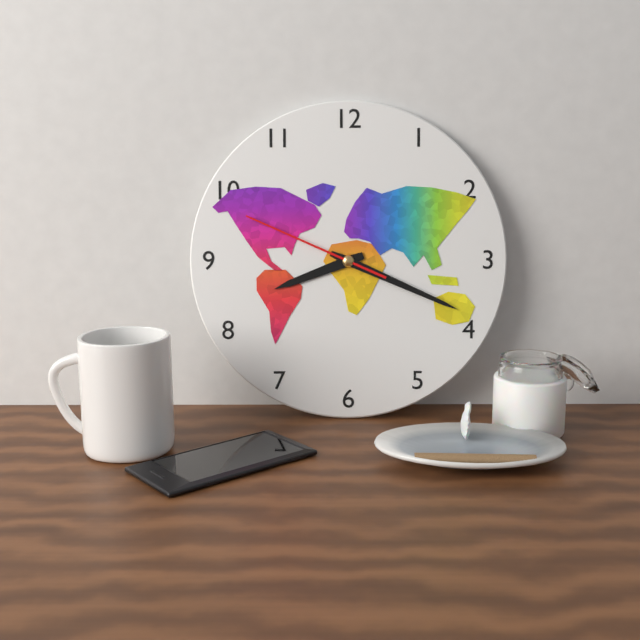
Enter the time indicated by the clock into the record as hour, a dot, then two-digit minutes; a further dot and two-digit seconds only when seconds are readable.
8.19.49
